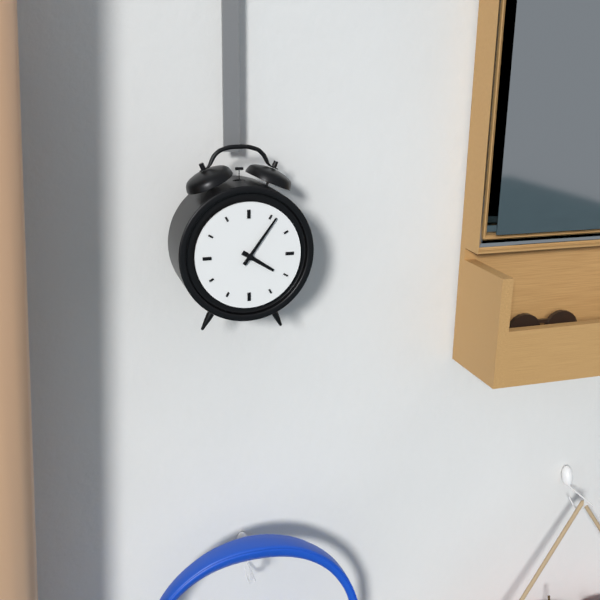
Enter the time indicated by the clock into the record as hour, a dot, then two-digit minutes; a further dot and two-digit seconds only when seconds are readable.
4.06
